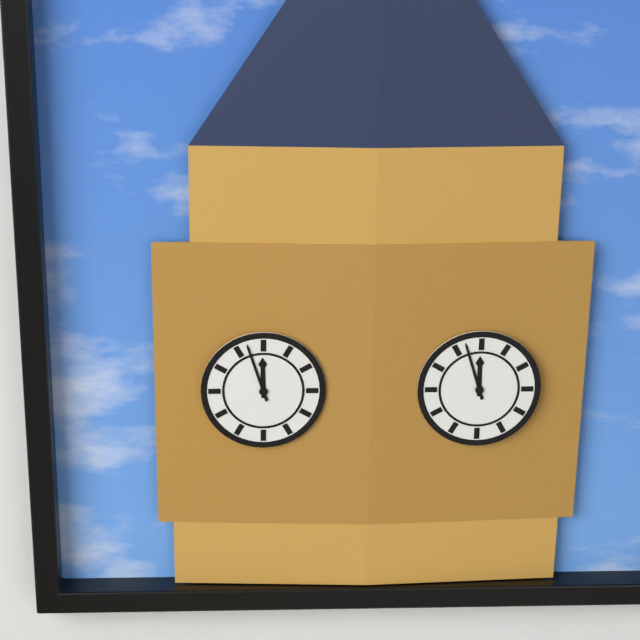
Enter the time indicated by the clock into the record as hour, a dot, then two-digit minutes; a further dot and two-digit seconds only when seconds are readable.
11.57
